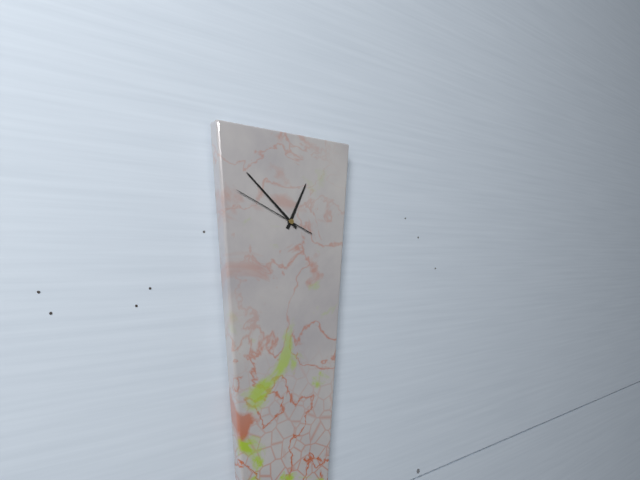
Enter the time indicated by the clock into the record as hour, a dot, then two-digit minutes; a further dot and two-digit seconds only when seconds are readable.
12.52.49
